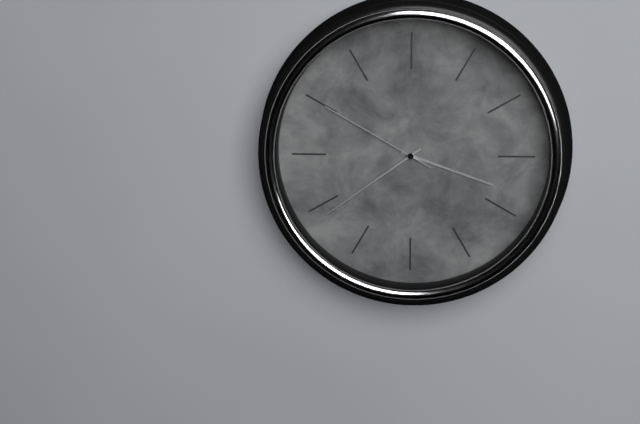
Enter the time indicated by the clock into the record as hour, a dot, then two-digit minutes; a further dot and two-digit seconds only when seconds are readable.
3.39.50
